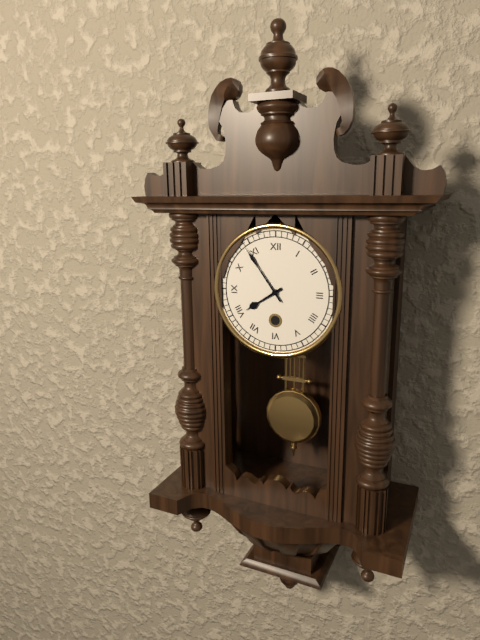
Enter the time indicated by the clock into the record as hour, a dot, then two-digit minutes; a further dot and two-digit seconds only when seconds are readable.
7.54
